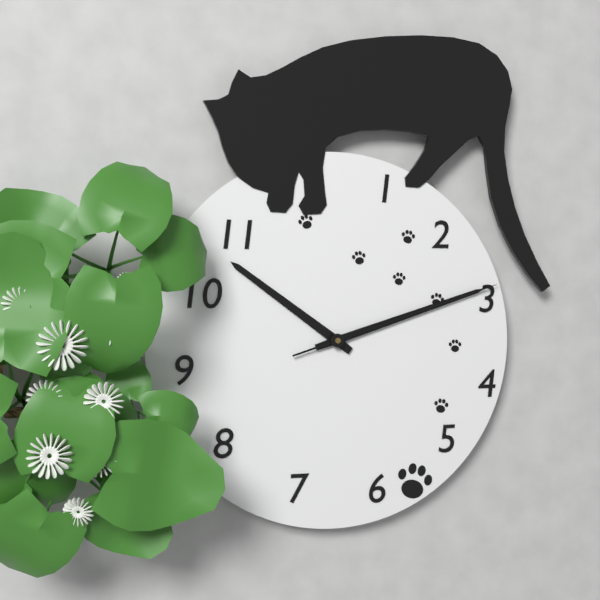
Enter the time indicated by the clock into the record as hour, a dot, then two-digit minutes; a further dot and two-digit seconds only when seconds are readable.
10.12.12
